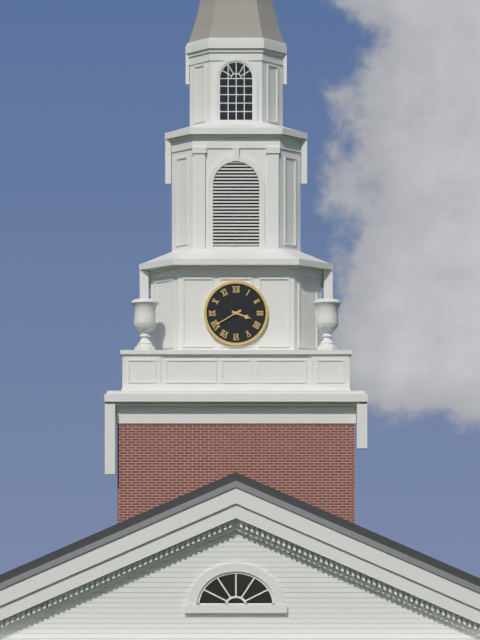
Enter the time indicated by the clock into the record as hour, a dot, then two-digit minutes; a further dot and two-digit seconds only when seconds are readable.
3.40
